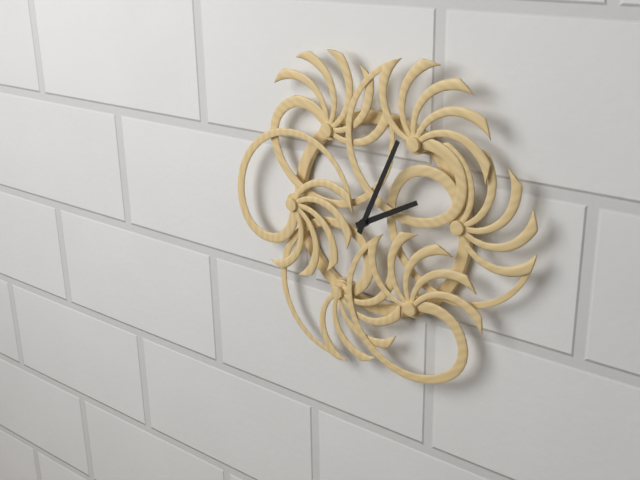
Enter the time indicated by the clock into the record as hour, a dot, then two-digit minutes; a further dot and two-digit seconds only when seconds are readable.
2.04
